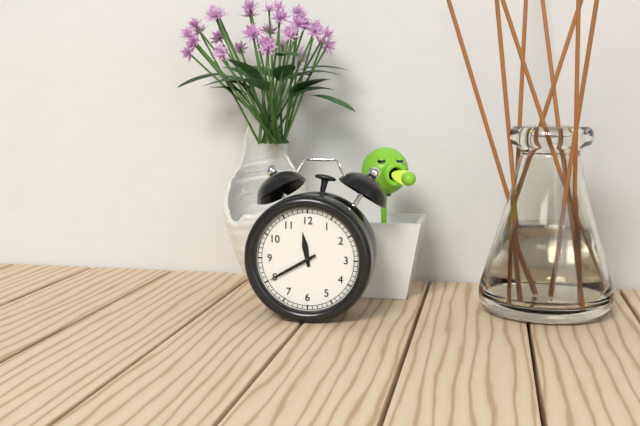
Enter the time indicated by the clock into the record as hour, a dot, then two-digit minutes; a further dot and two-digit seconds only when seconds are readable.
11.40
